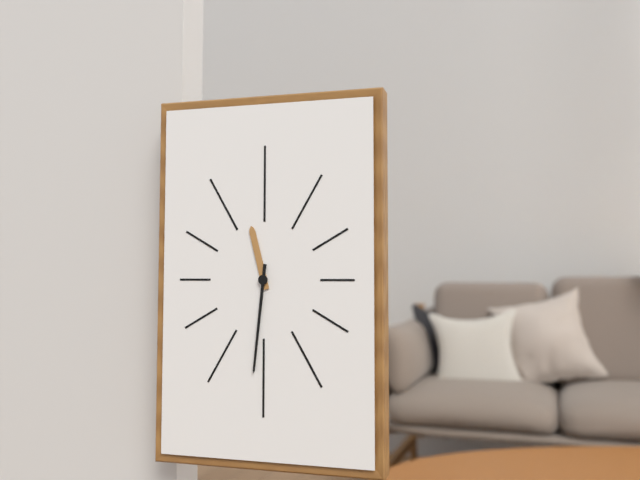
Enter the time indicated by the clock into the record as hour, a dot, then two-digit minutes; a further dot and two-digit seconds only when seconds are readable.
11.31
